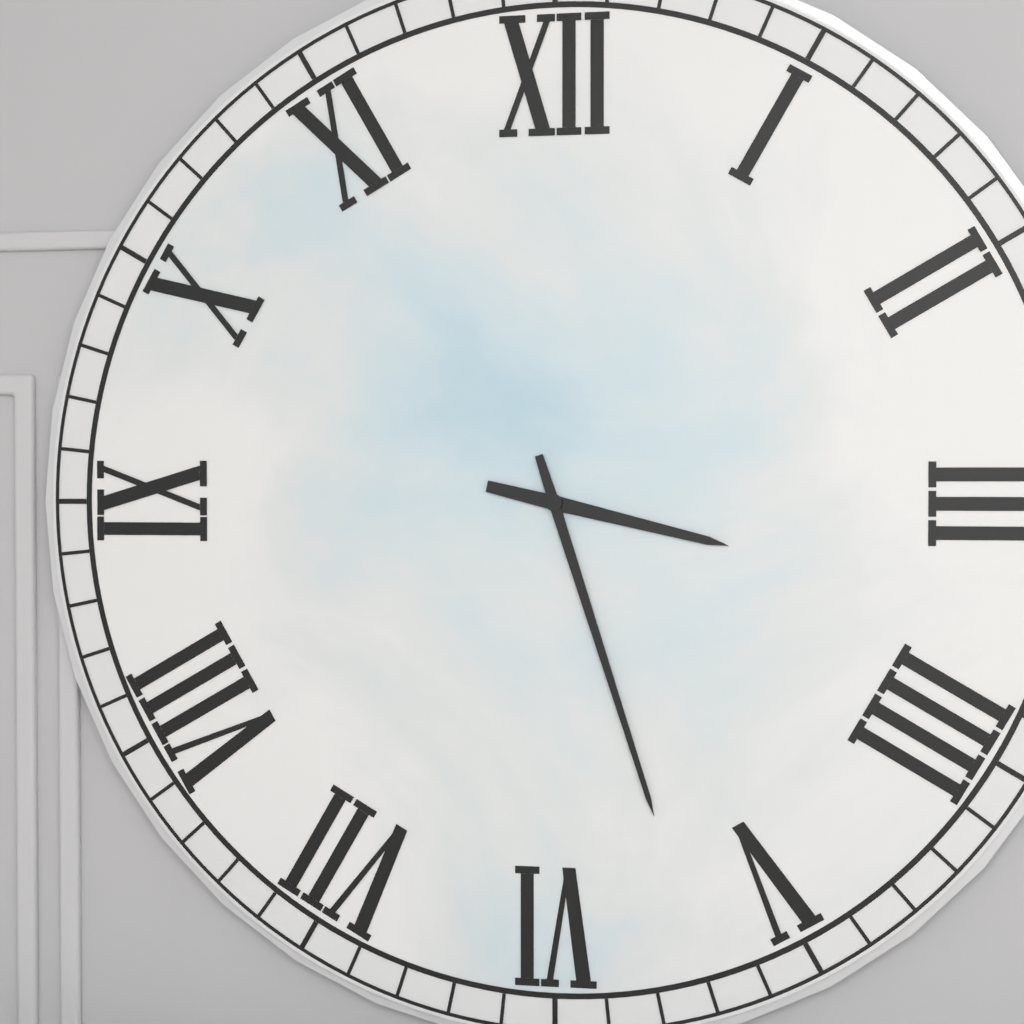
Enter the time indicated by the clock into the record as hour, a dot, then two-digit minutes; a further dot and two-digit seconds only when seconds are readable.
3.27
